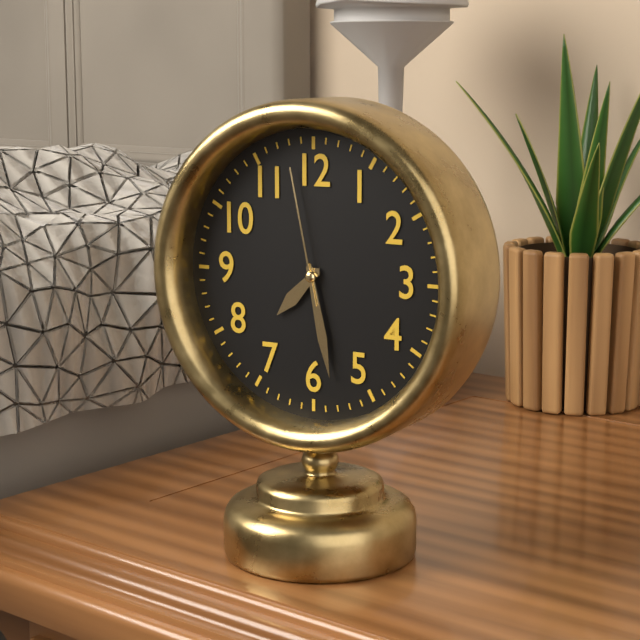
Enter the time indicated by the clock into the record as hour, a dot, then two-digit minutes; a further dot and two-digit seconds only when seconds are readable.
7.28.58
